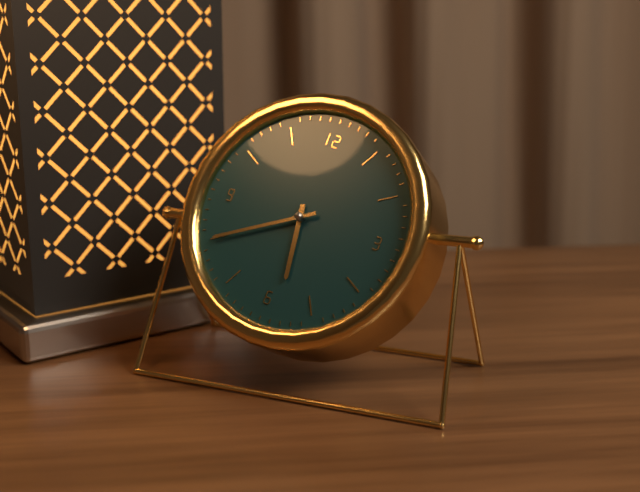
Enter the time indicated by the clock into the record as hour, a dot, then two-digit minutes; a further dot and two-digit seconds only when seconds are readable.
5.40
